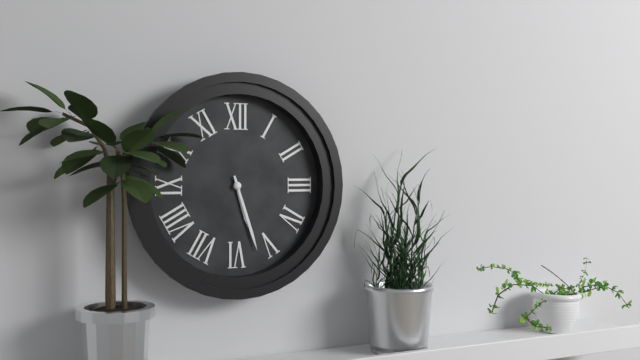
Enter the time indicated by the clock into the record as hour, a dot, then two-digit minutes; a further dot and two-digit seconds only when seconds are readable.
5.27
